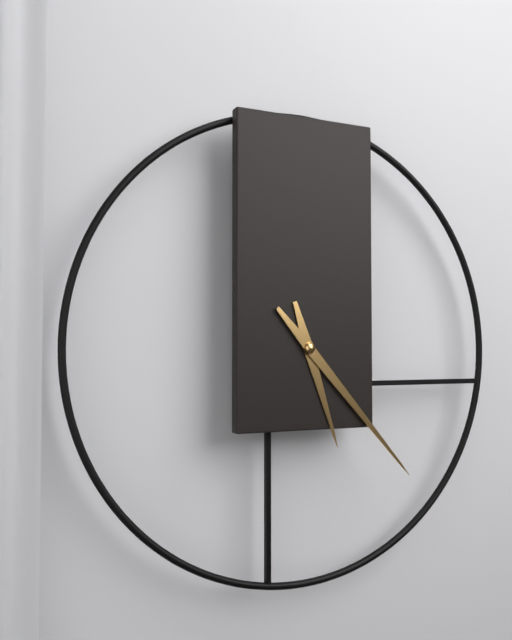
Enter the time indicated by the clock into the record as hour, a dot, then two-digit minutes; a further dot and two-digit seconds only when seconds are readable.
5.23
